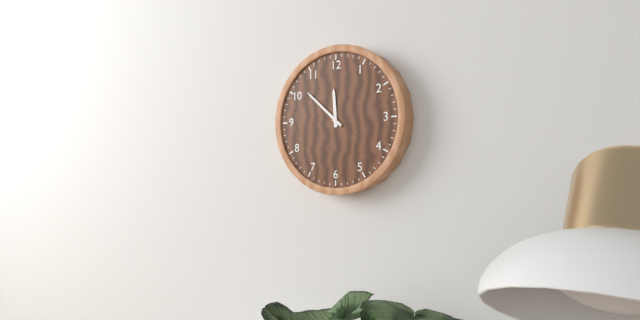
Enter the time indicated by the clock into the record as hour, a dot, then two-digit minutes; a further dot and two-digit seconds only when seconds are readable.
11.52
